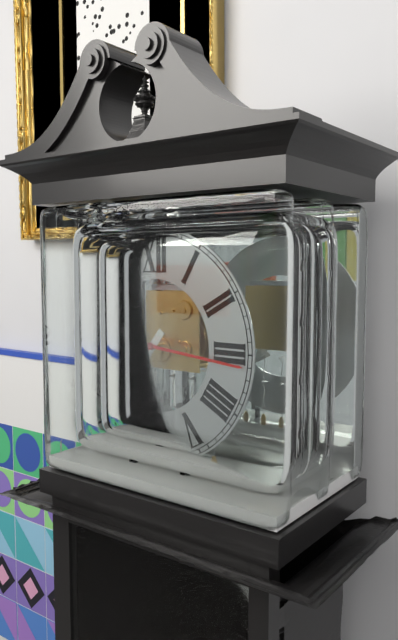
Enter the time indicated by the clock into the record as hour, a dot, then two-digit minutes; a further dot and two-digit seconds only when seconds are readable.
7.16
